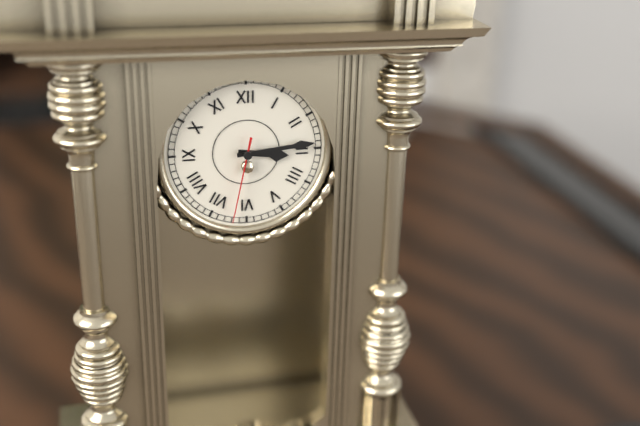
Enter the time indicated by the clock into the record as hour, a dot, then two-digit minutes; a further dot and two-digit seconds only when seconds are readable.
3.14.32
